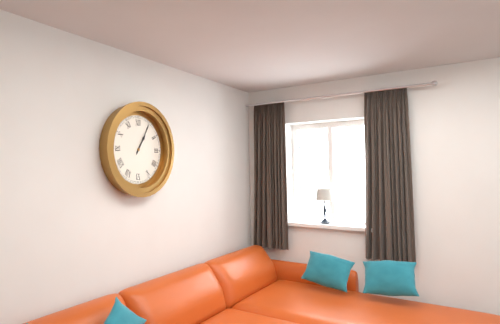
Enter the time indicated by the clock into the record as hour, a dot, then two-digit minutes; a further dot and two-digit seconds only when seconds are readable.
1.05
